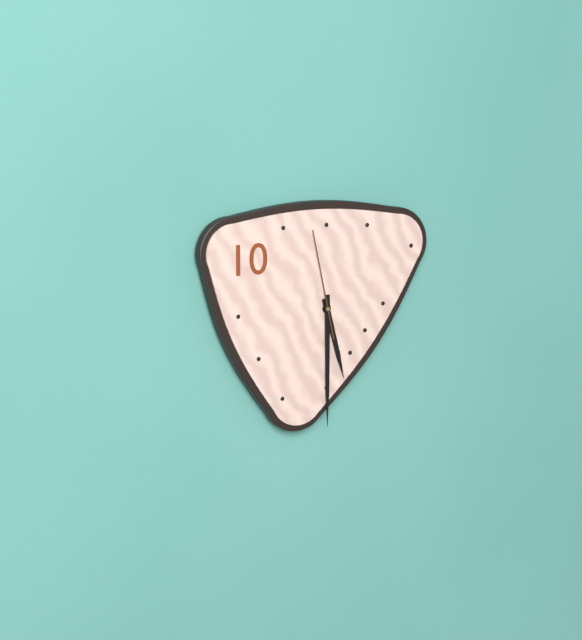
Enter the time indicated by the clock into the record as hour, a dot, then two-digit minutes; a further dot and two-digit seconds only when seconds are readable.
5.30.58
